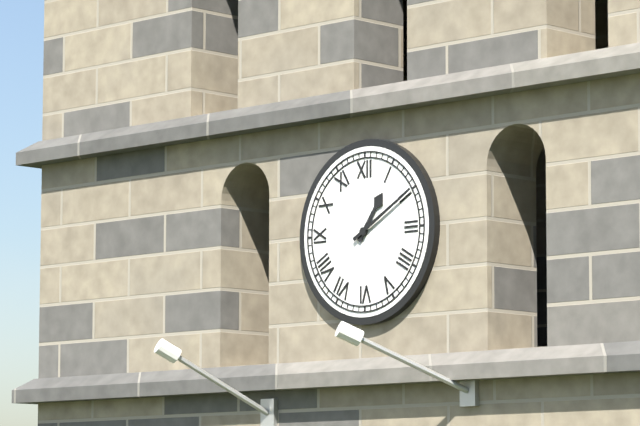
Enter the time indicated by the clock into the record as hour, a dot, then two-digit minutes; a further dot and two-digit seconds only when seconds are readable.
1.10
